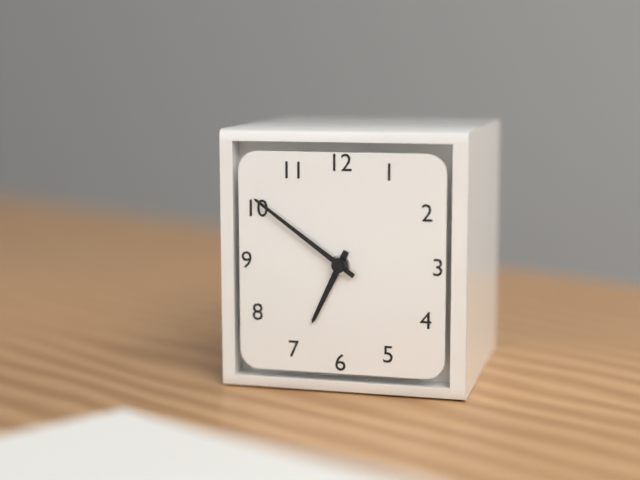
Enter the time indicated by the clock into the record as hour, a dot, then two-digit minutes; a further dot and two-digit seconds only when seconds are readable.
6.51
